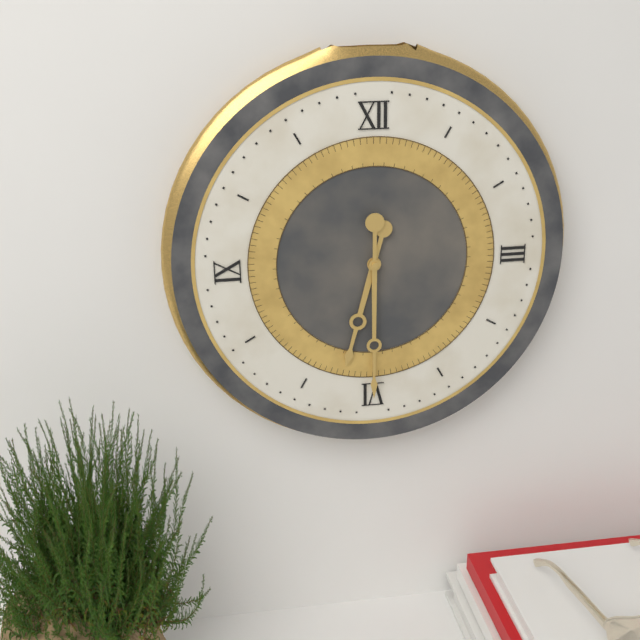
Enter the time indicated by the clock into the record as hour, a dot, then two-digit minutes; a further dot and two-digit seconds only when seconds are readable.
6.30
